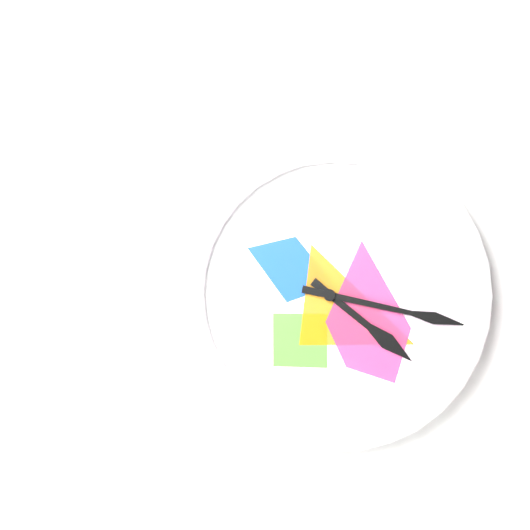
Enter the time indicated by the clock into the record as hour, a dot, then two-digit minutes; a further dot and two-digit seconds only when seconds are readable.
4.17
